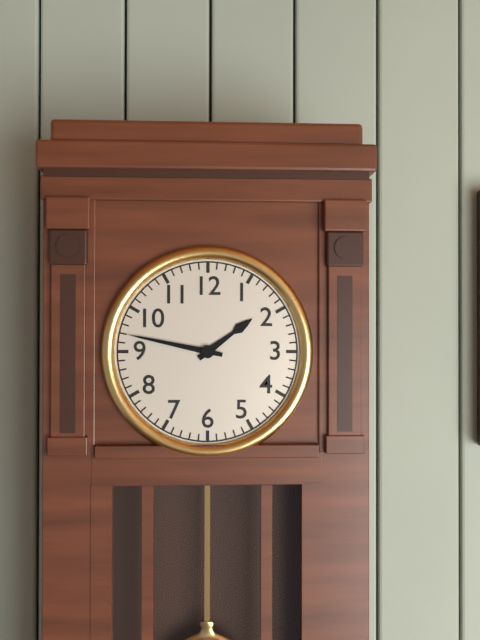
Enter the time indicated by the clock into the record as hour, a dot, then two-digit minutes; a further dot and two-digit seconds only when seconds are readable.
1.47
